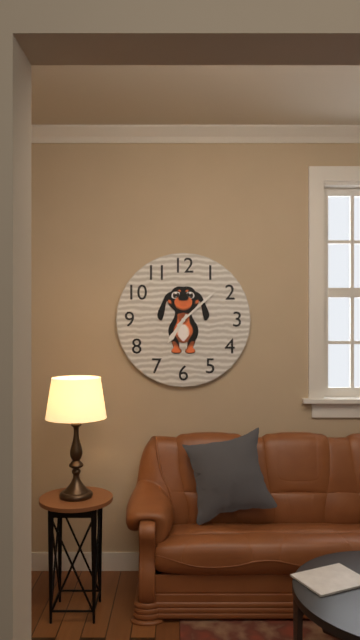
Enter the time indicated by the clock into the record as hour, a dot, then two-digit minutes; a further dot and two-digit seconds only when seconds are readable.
7.08
